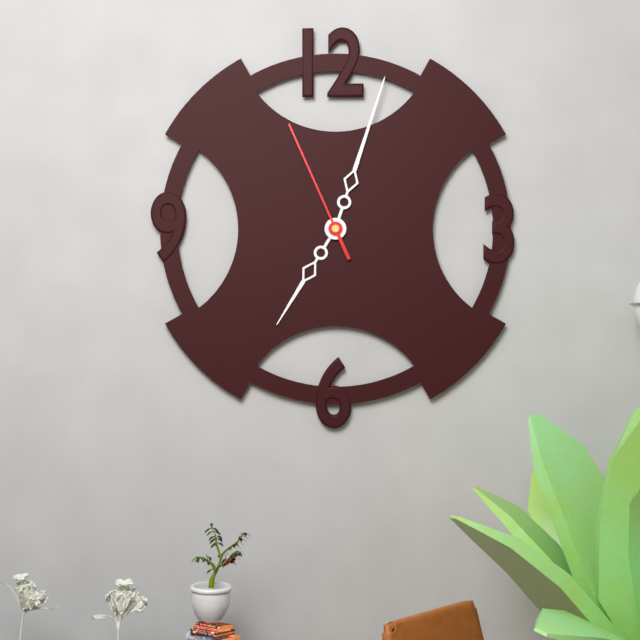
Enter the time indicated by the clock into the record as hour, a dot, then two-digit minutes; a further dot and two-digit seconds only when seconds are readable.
7.03.56
